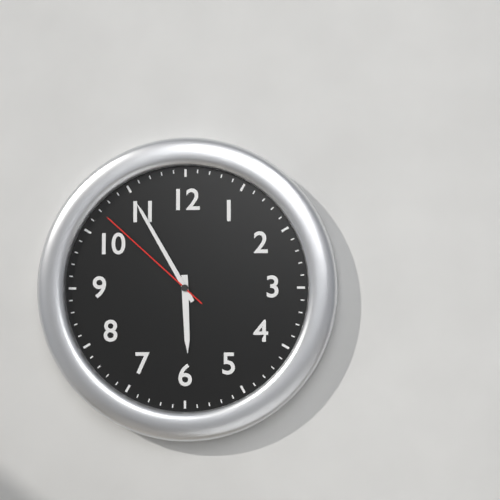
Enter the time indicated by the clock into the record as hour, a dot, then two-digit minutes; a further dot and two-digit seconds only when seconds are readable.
5.55.52
